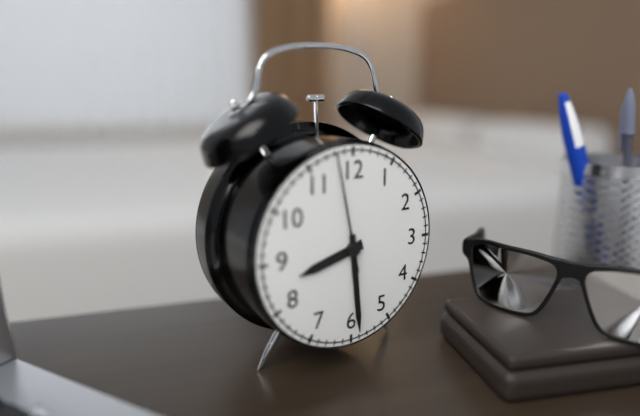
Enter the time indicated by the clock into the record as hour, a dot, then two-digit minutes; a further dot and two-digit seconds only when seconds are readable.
8.29.58
